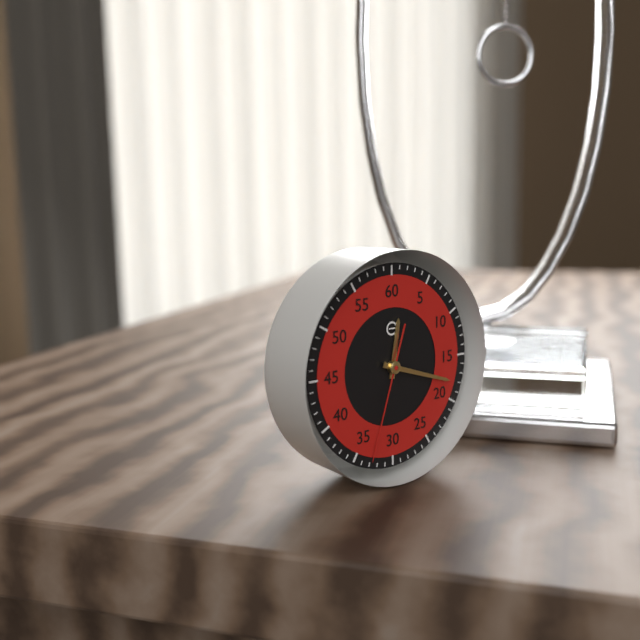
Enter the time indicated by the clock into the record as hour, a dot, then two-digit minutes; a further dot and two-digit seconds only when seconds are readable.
12.18.33
